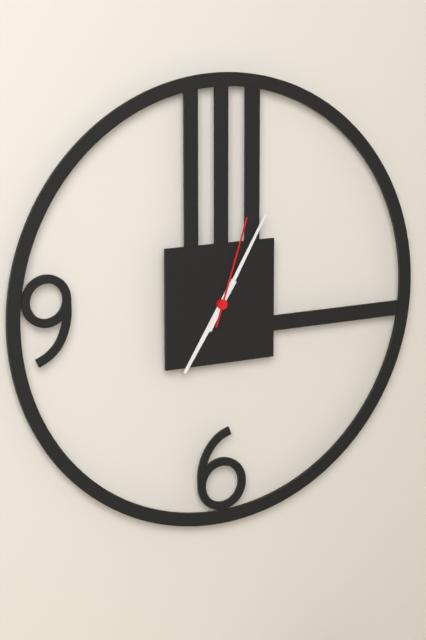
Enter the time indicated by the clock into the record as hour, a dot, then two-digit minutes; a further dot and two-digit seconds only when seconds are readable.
7.05.03
